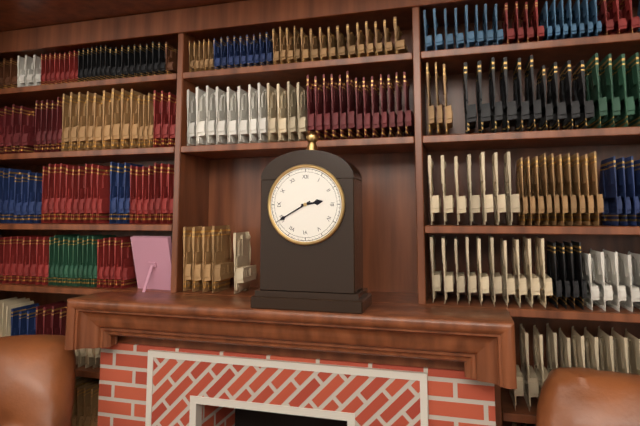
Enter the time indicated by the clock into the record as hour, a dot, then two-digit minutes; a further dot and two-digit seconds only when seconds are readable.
2.40
